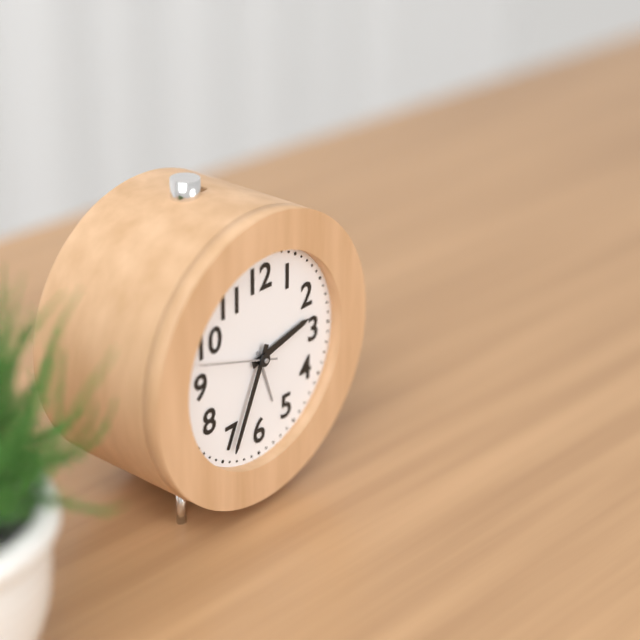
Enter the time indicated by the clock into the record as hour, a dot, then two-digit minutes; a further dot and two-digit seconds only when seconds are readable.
2.34.48
